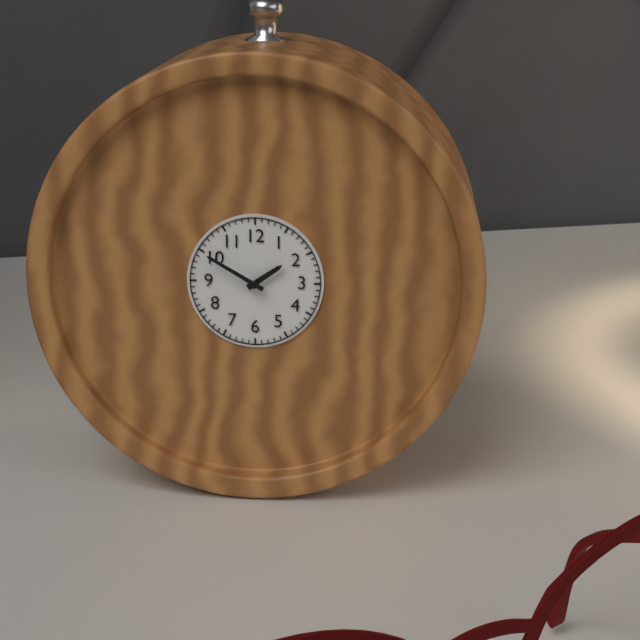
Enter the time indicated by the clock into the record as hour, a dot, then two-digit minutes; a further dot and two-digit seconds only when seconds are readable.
1.50
